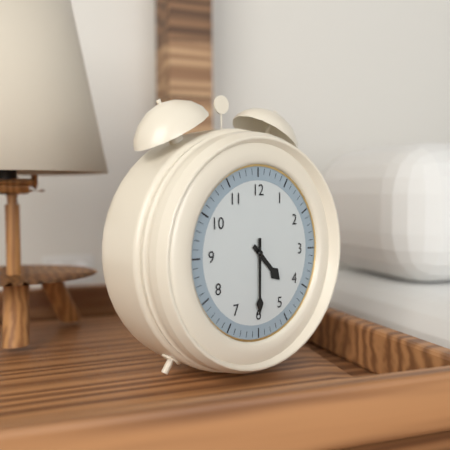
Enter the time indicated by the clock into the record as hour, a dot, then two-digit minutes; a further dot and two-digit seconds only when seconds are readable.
4.30
